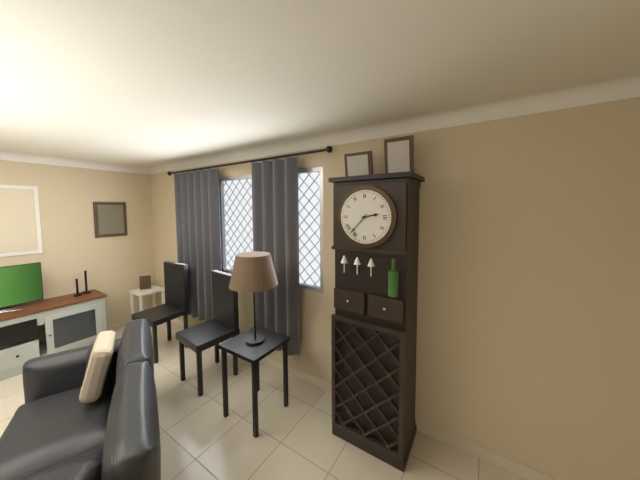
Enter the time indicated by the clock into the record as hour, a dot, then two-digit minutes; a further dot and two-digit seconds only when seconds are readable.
2.37
